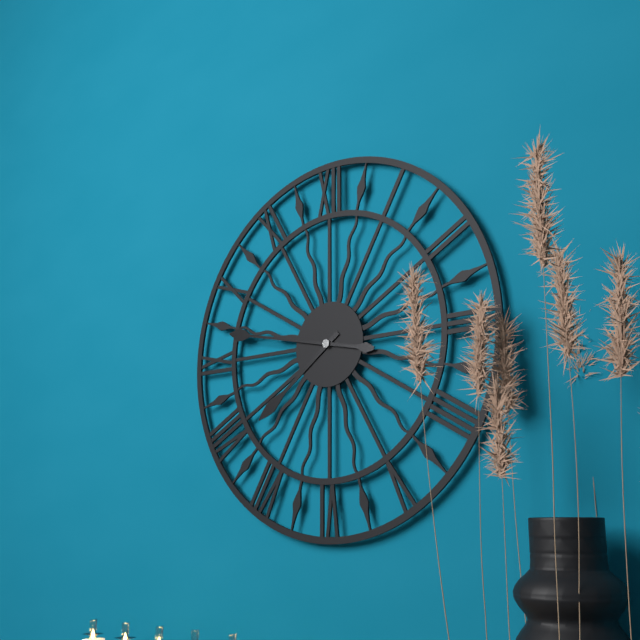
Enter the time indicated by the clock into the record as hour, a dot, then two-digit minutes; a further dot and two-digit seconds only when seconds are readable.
7.47
